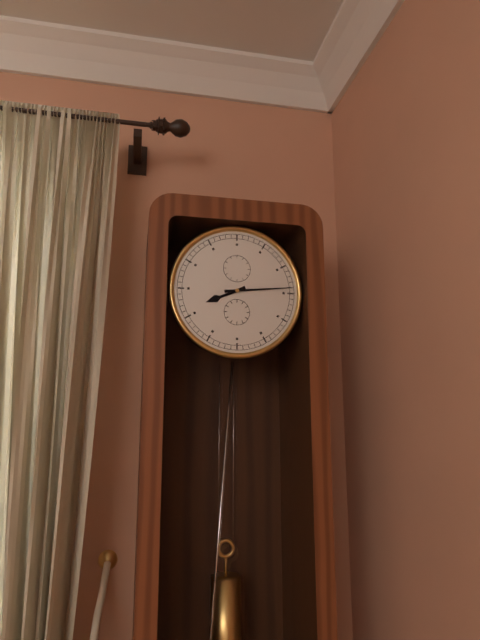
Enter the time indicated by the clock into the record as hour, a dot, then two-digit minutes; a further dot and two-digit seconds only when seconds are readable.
8.14
